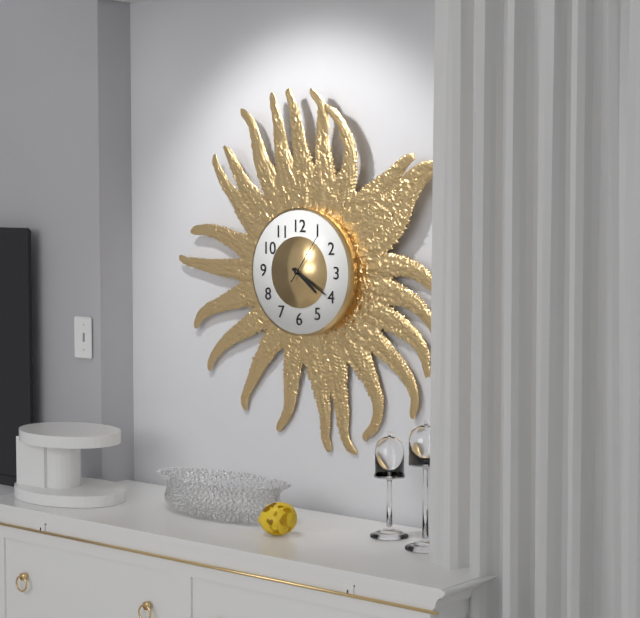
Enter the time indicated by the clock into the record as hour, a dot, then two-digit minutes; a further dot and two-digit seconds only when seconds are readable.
4.20
